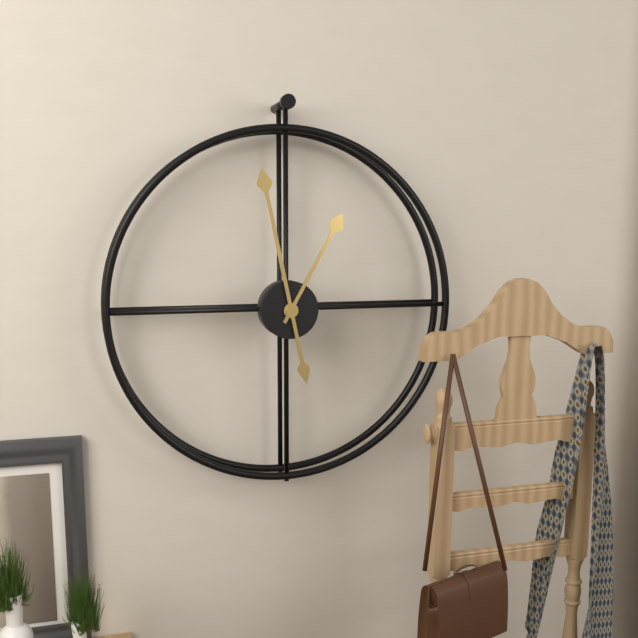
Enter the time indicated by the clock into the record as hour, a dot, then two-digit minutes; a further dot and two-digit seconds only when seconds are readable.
12.58
